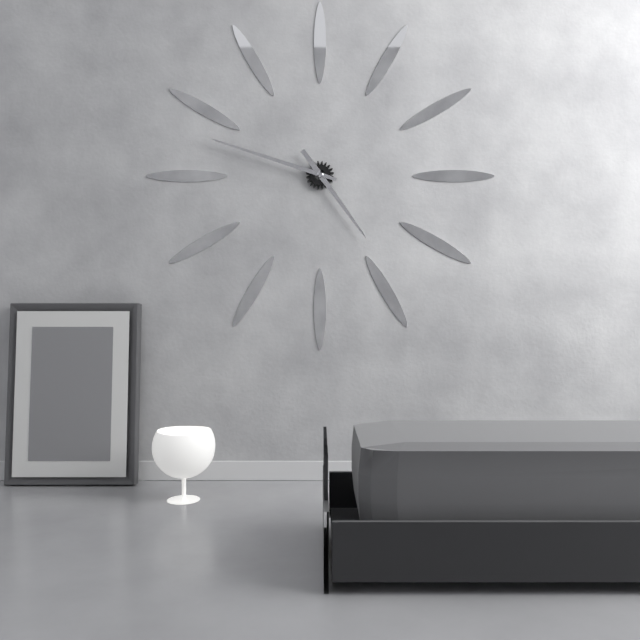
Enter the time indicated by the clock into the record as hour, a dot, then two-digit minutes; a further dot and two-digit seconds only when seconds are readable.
4.48
